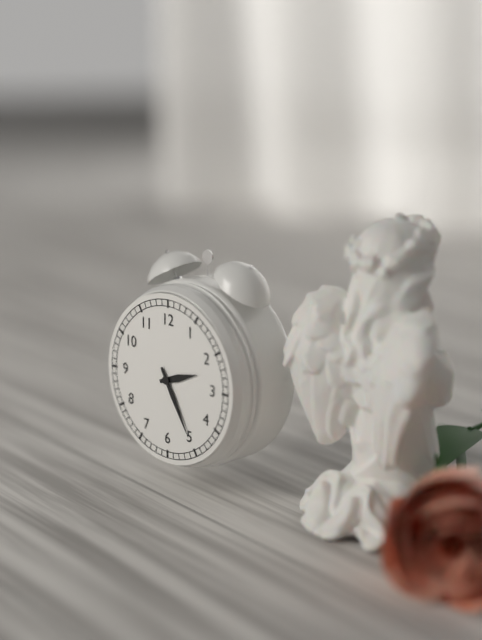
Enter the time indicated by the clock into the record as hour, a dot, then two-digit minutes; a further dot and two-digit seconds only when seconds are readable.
2.25
